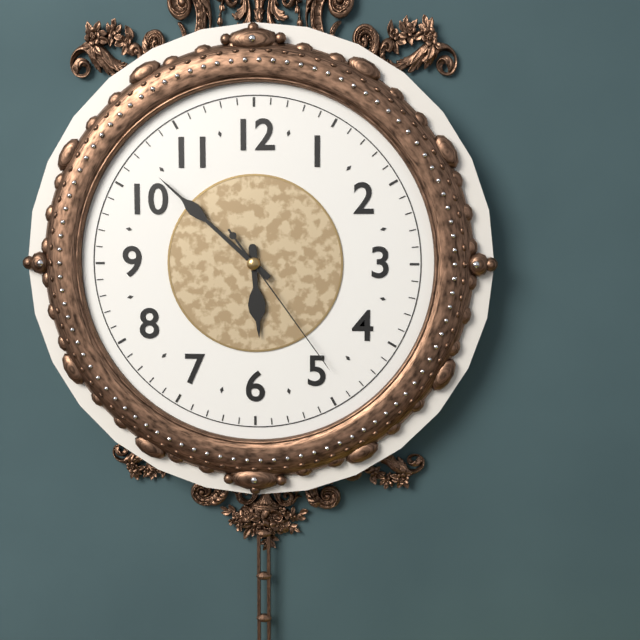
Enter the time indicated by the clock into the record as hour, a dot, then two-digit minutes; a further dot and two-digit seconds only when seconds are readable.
5.52.24
